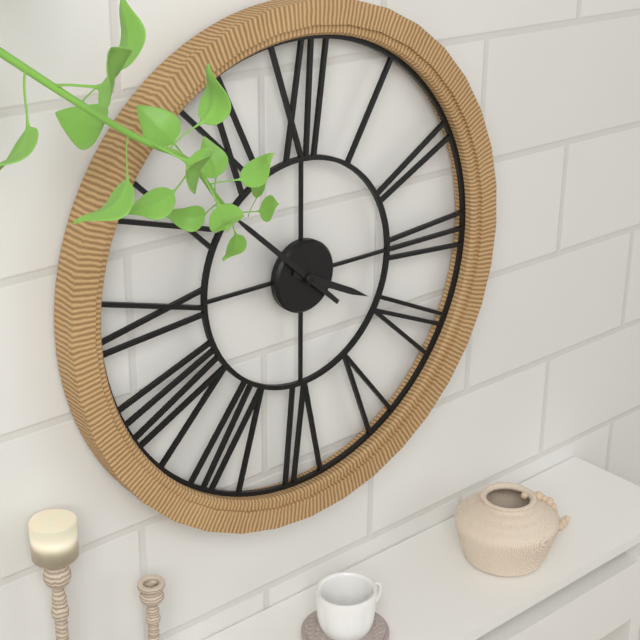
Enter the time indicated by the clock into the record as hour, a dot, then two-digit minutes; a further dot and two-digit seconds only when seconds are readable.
3.52
